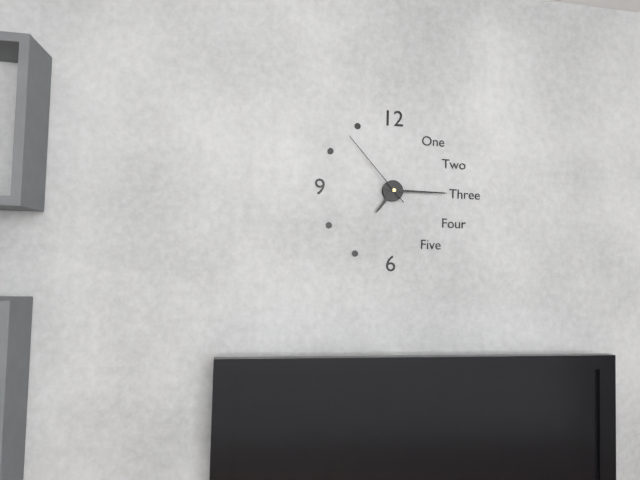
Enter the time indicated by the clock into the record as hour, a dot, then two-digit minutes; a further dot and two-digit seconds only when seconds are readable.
7.15.53
